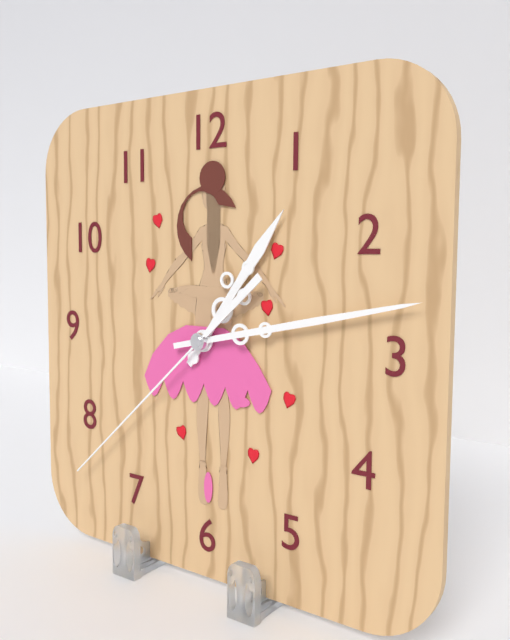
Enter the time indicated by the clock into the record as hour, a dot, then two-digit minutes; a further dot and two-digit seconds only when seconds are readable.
1.13.38
